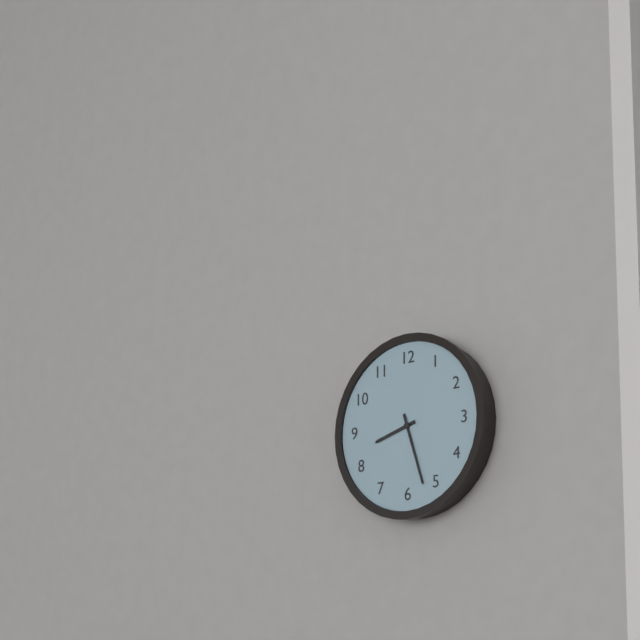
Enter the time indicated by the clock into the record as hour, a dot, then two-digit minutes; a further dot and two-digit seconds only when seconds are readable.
8.27
